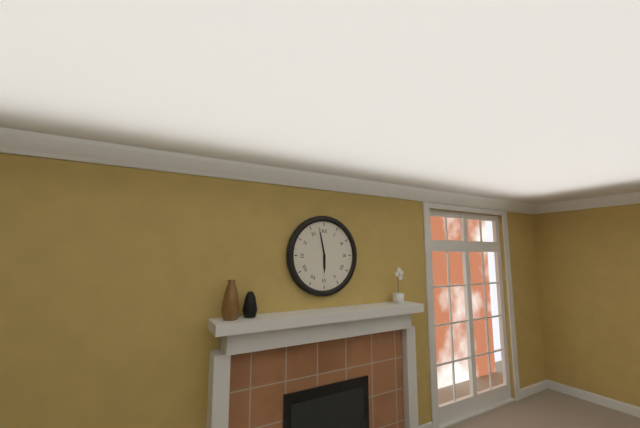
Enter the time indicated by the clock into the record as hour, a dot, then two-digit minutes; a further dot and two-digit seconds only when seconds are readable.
5.58
